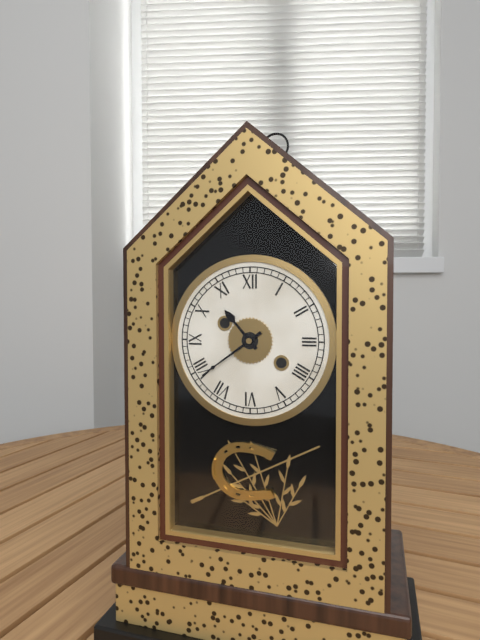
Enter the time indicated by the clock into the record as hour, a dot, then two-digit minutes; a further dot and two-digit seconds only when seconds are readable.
10.39
